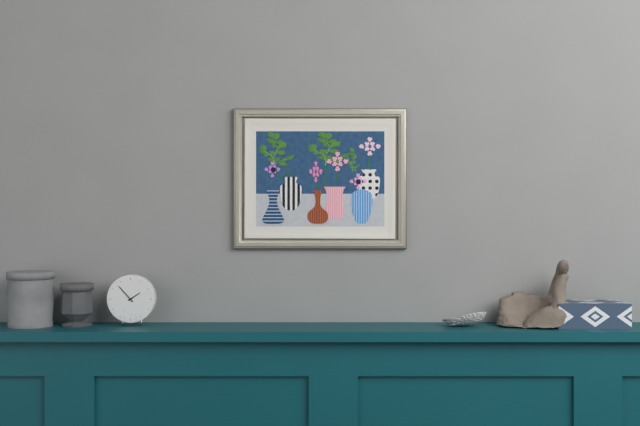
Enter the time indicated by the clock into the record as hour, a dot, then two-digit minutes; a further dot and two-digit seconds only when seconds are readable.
1.53
